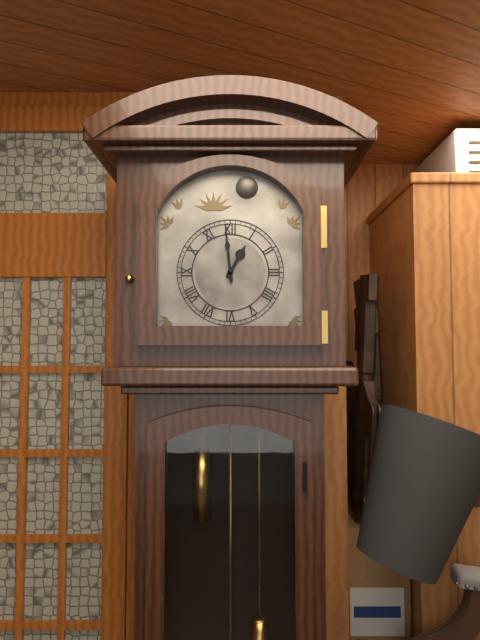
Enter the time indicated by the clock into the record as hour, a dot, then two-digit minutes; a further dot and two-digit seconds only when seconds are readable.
12.59
